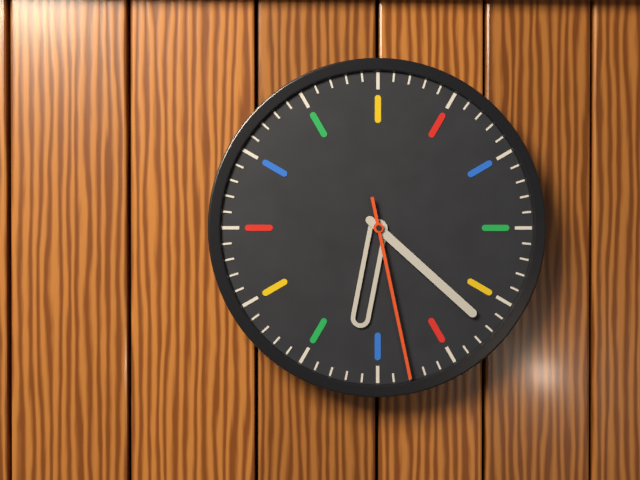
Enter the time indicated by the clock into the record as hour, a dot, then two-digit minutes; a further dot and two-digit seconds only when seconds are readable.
6.22.28
